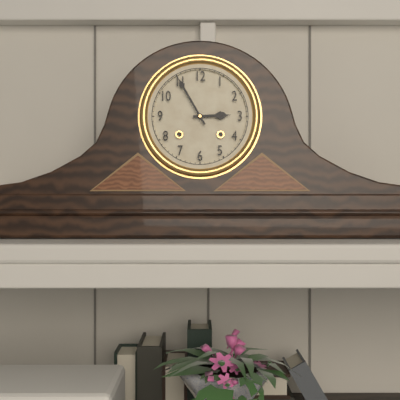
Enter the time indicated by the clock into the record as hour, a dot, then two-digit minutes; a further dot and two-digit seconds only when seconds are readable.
2.55
